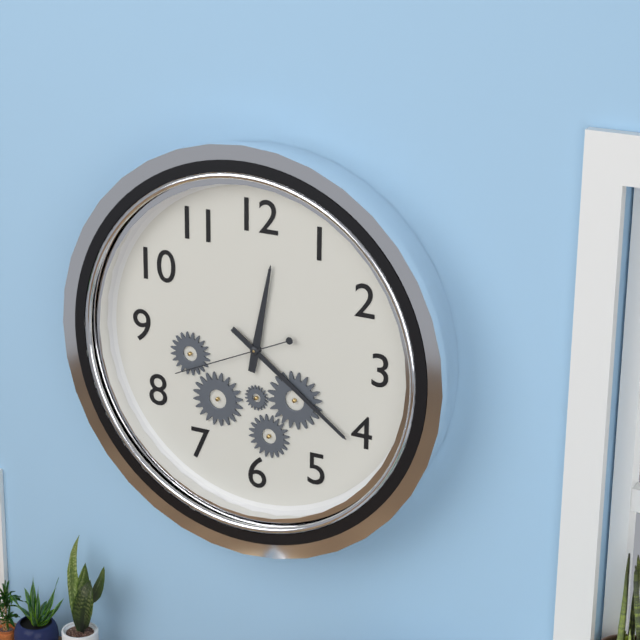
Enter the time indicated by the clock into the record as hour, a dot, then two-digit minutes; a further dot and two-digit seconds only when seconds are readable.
12.21.41
